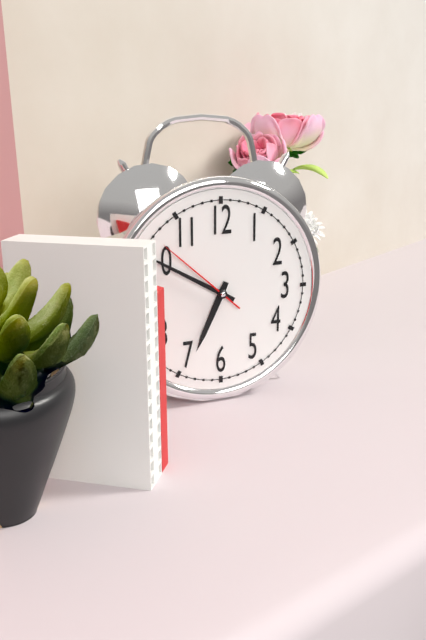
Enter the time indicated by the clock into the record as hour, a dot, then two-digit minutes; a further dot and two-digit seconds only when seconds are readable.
6.50.52
